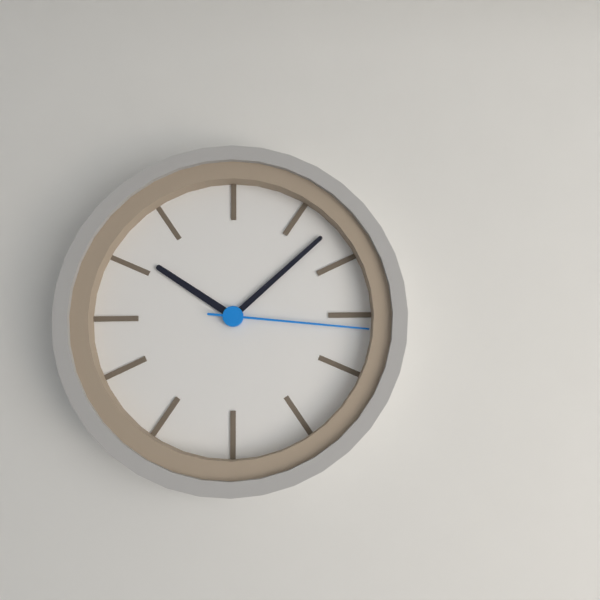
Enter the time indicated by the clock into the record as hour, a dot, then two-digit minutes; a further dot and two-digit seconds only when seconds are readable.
10.08.16
